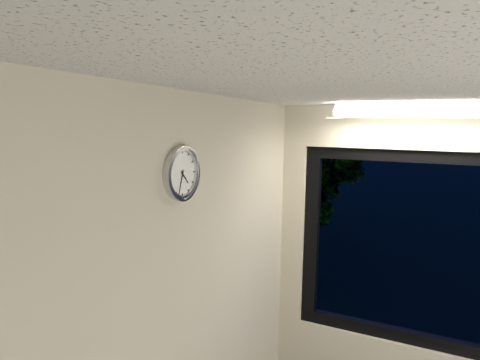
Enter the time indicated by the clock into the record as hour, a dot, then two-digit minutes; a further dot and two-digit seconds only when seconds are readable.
4.33
